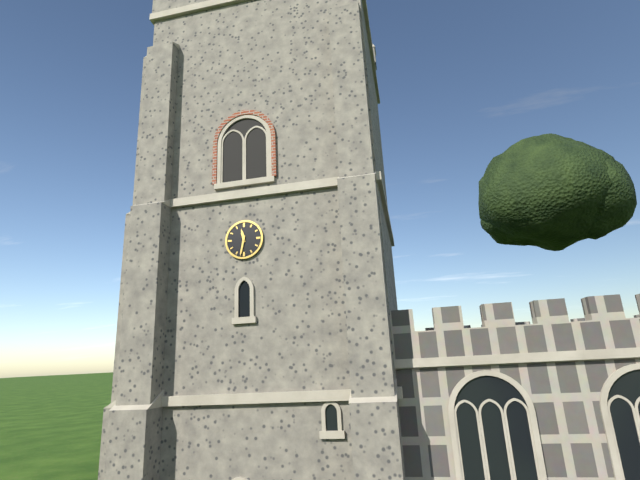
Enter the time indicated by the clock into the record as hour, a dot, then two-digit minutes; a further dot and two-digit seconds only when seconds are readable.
11.32
